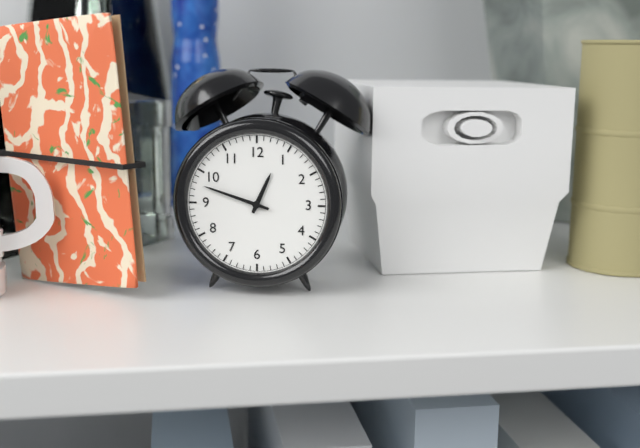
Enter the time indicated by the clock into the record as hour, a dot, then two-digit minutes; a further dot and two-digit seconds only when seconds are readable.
12.48
